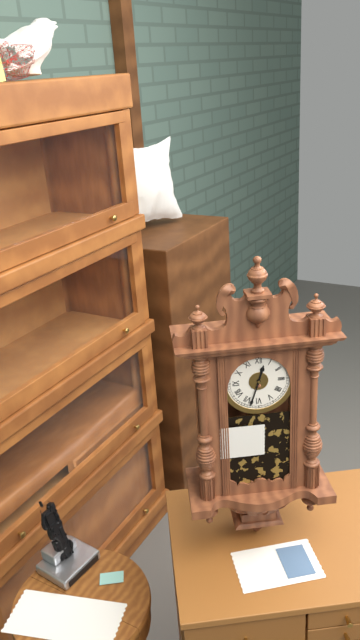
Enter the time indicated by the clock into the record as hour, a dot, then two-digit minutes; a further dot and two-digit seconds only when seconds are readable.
12.33
